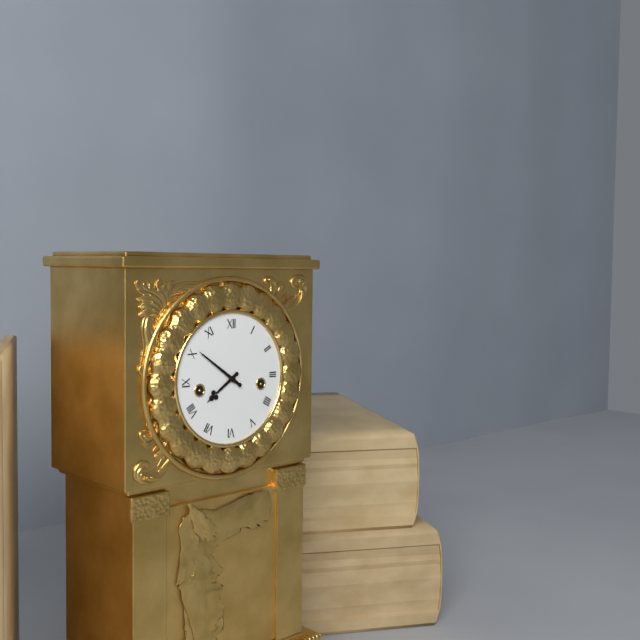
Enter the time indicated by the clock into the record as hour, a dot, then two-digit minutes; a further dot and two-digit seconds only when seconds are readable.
7.51
